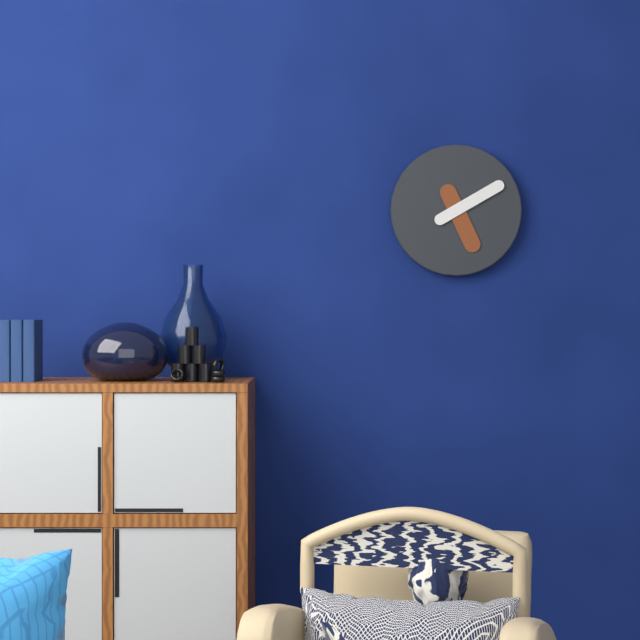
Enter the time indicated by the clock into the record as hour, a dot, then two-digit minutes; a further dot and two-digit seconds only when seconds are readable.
5.10
